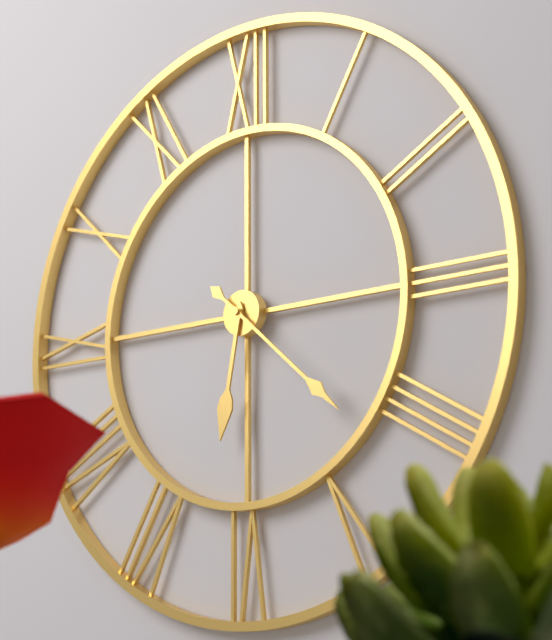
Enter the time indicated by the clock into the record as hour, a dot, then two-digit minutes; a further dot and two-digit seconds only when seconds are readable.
6.22
